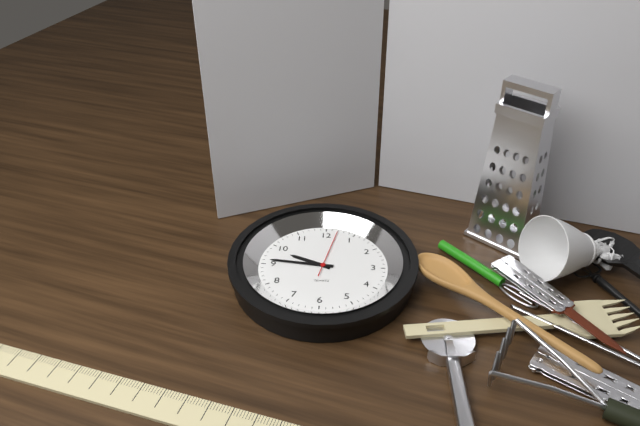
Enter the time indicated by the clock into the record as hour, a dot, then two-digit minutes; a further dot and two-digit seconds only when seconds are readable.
9.46
